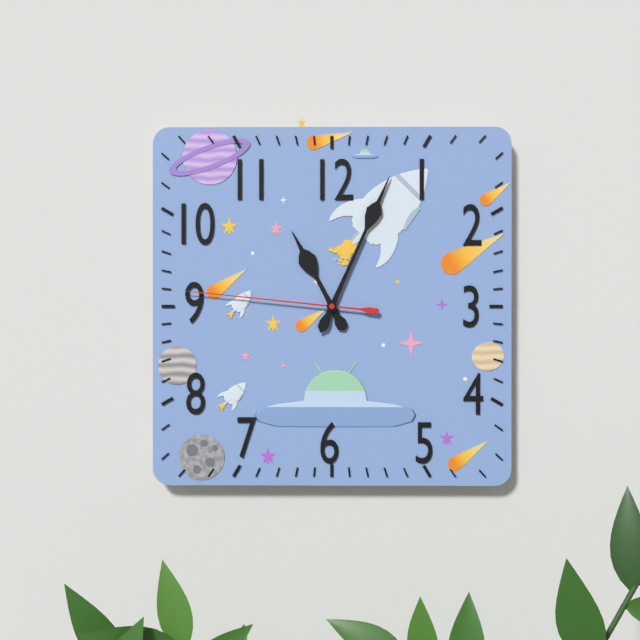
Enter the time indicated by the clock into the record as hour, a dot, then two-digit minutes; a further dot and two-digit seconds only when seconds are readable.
11.04.46
